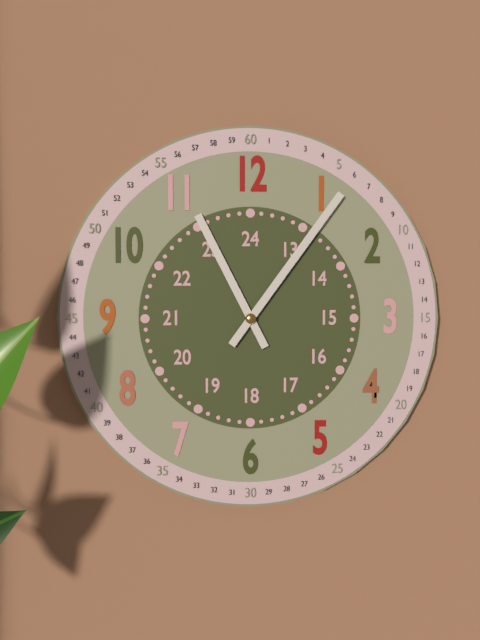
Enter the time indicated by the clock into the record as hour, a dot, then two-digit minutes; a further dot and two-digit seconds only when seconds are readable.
11.06
